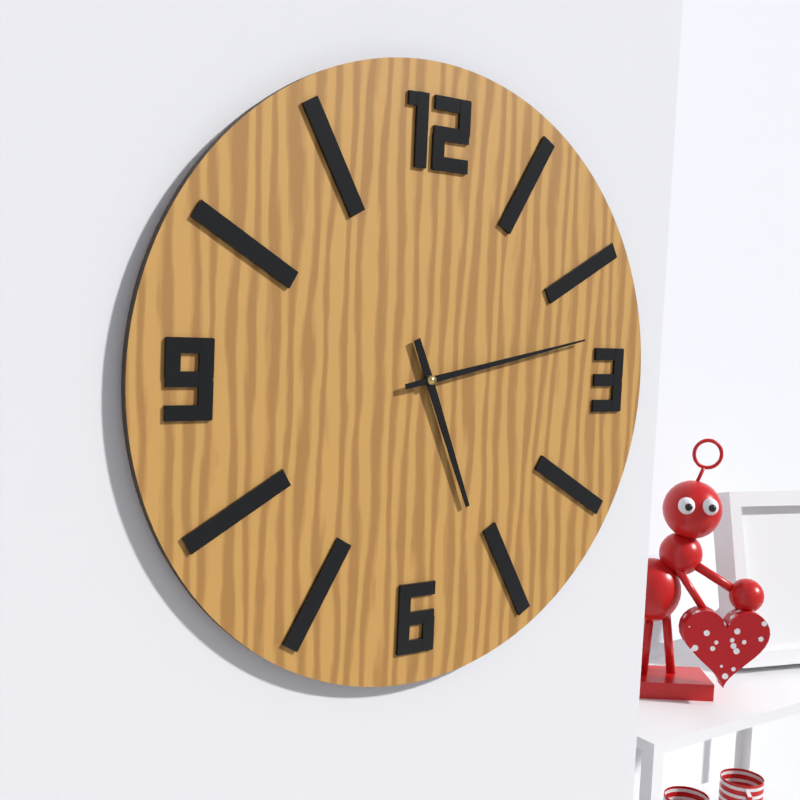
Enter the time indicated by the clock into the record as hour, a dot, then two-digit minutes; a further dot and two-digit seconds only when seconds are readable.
5.13
